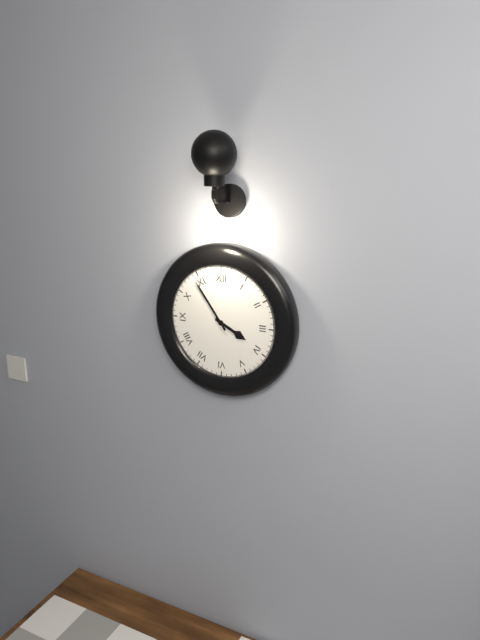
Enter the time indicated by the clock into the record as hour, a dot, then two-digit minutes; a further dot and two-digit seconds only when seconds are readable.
3.54
